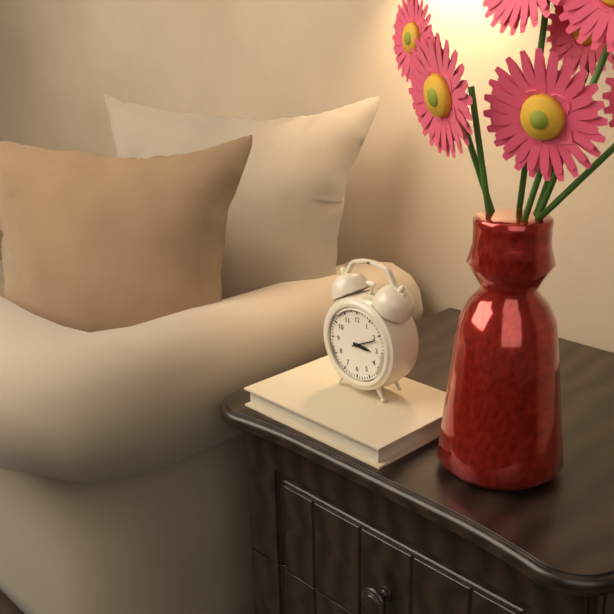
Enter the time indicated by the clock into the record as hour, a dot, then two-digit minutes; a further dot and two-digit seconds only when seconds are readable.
3.11
